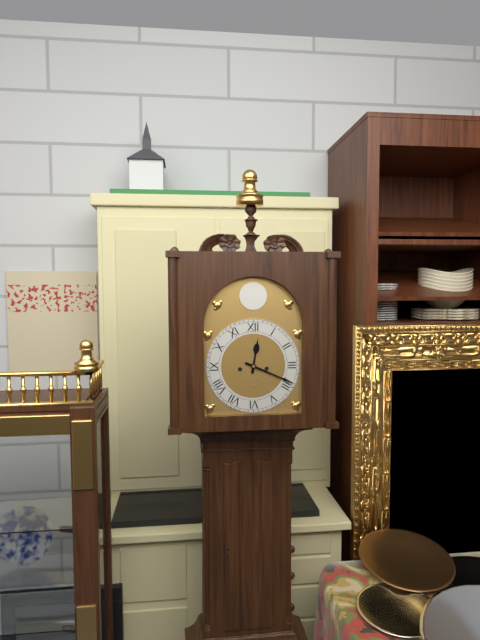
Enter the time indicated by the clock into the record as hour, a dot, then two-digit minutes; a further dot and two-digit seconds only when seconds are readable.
12.19
